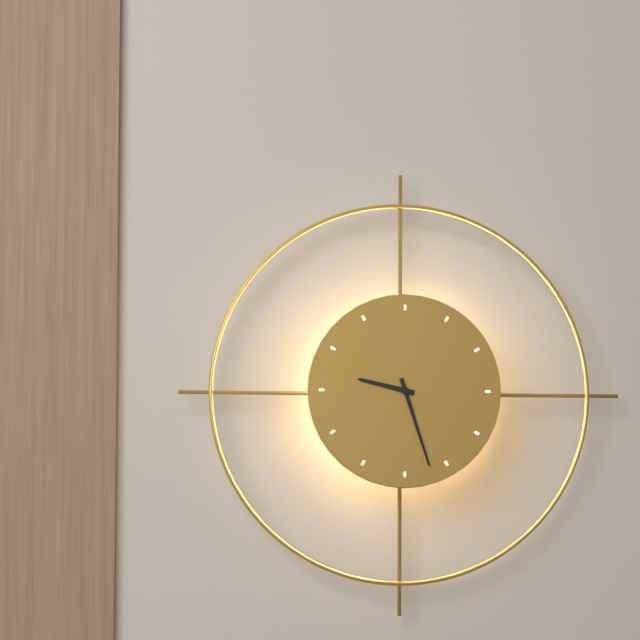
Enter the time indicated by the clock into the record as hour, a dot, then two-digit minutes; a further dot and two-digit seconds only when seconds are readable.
9.27
